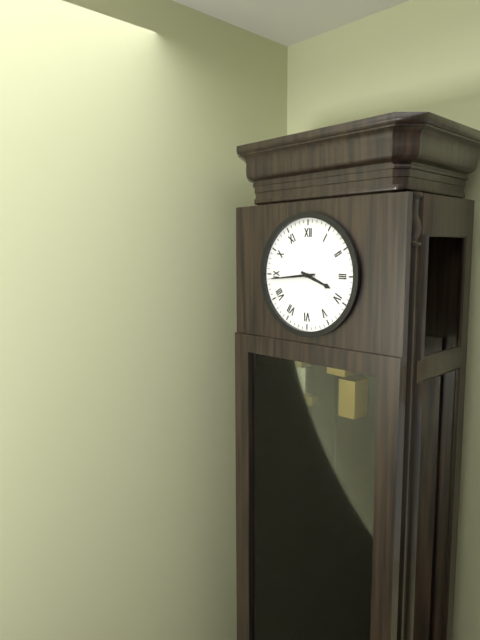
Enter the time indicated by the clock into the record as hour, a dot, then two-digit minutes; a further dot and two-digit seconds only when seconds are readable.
3.44
